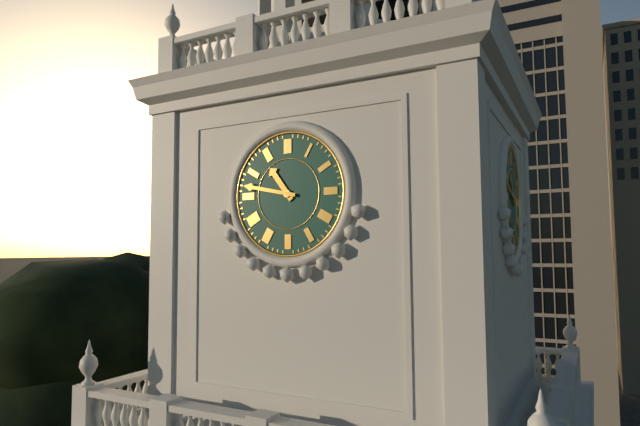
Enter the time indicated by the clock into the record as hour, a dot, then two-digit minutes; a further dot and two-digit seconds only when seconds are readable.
10.47
